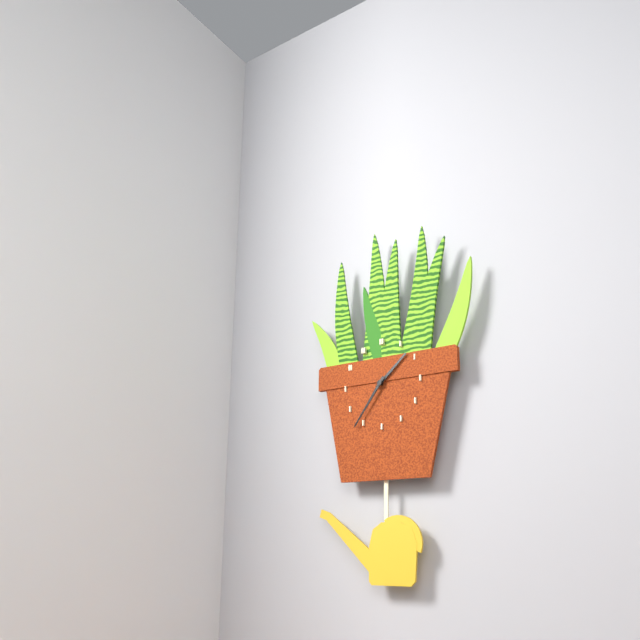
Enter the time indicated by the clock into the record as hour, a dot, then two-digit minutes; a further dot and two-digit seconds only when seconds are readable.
1.36
